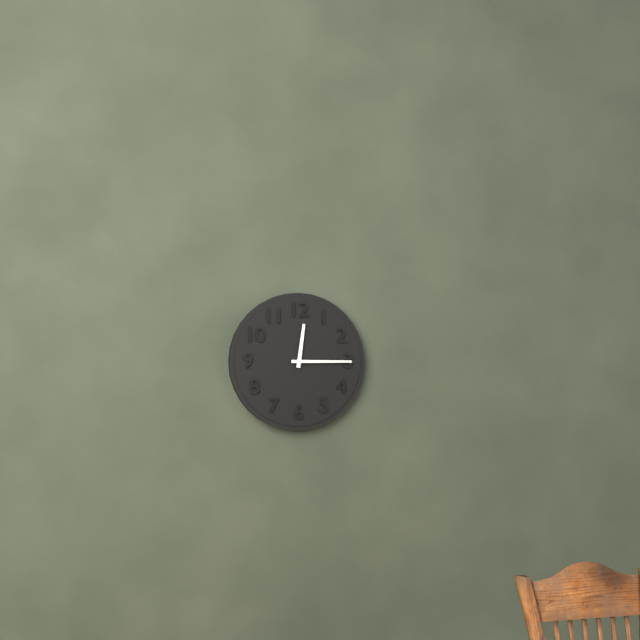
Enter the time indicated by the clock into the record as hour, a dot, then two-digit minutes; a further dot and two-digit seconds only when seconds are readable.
12.15
